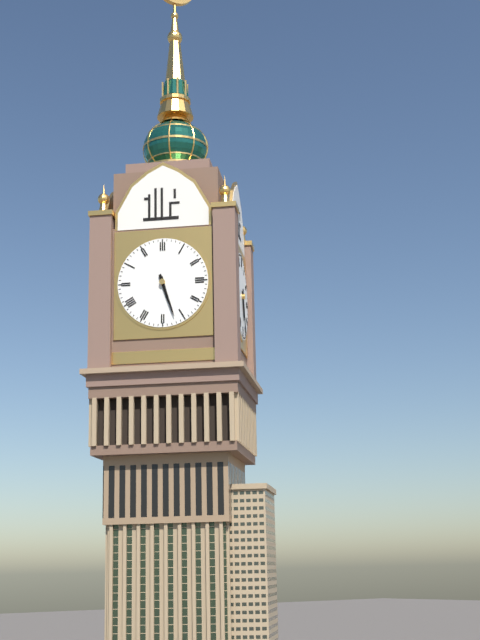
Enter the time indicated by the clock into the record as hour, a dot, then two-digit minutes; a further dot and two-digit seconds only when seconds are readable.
5.27
